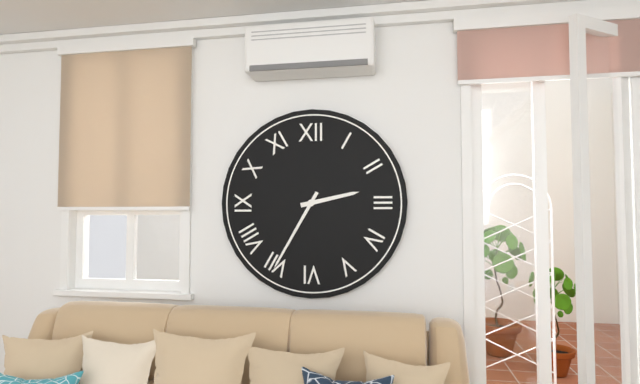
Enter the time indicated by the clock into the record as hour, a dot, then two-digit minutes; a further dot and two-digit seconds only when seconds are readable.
2.35
